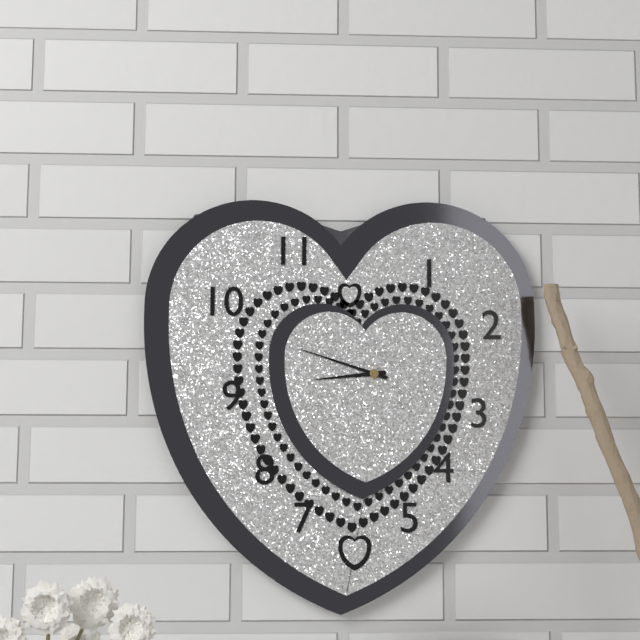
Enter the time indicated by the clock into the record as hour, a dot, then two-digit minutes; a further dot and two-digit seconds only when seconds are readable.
8.48
